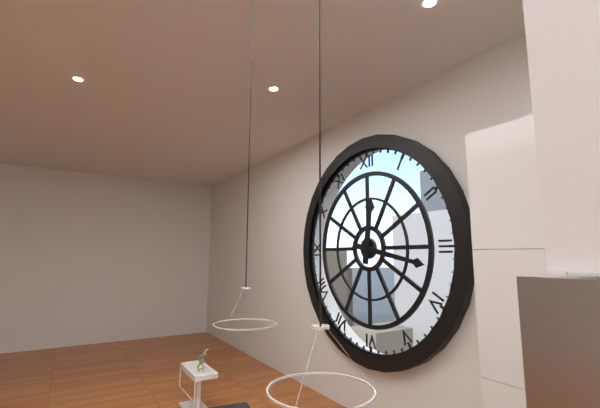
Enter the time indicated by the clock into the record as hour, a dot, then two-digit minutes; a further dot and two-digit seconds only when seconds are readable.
12.17
